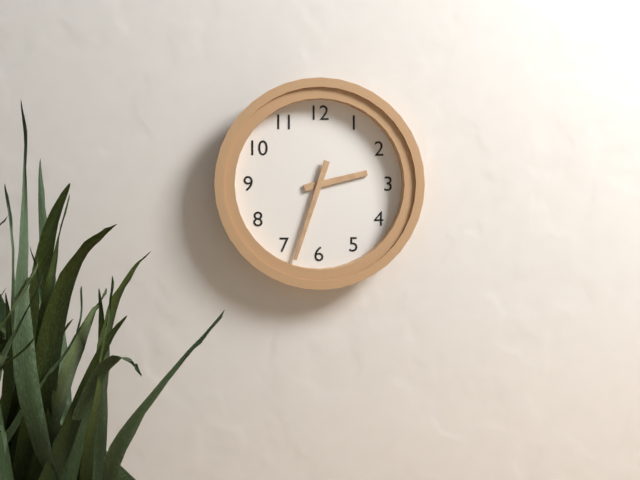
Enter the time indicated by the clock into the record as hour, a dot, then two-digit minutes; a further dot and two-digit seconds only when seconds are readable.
2.33
